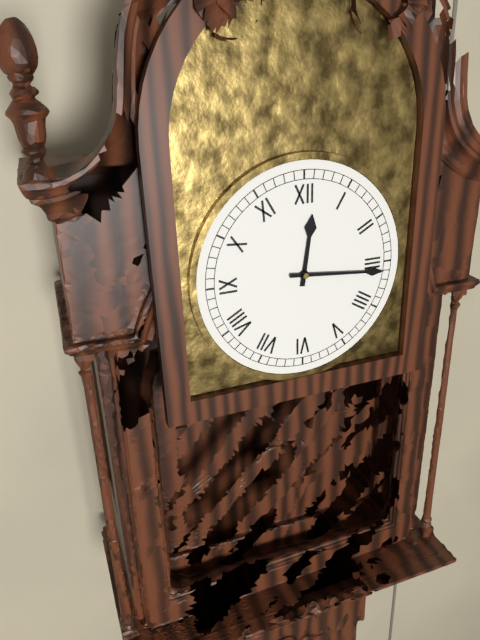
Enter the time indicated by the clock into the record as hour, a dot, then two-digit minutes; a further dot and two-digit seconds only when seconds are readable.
12.16
